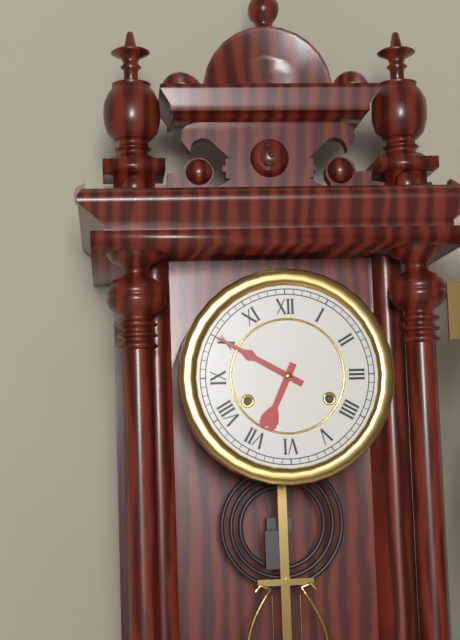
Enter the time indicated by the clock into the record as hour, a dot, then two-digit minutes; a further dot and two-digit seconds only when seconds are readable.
6.50
